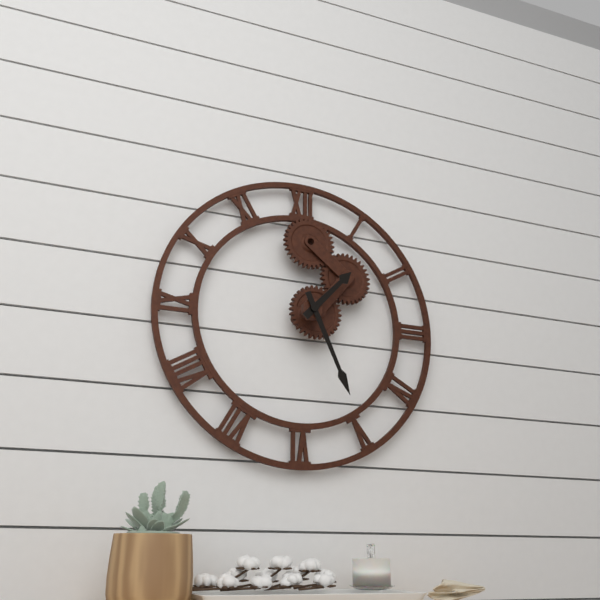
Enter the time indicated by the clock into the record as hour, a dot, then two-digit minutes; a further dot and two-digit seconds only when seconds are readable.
1.26
